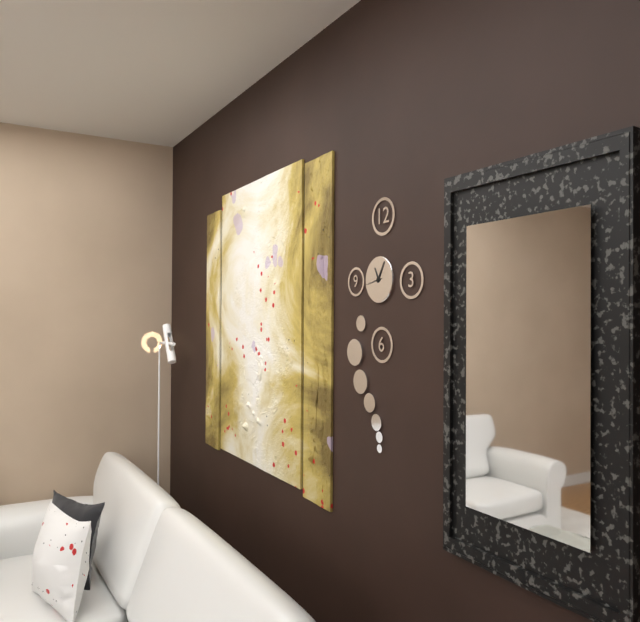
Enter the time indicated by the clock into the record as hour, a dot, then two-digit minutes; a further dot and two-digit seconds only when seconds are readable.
11.05
